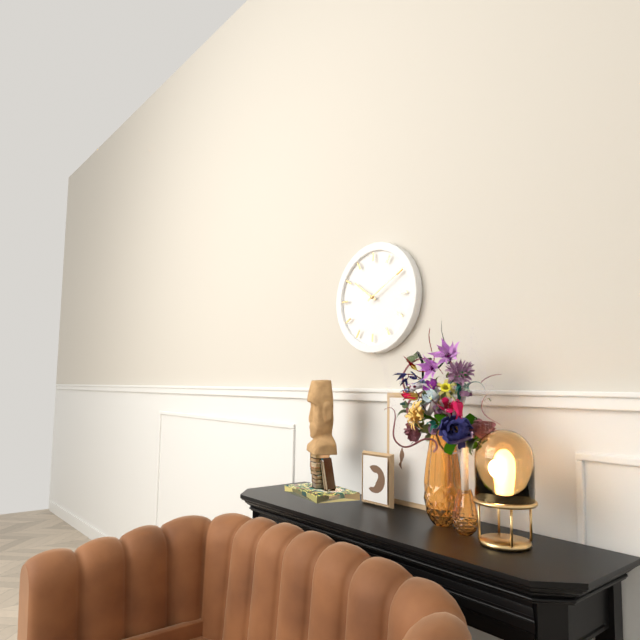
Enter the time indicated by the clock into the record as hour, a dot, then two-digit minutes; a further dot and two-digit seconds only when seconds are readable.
10.10
